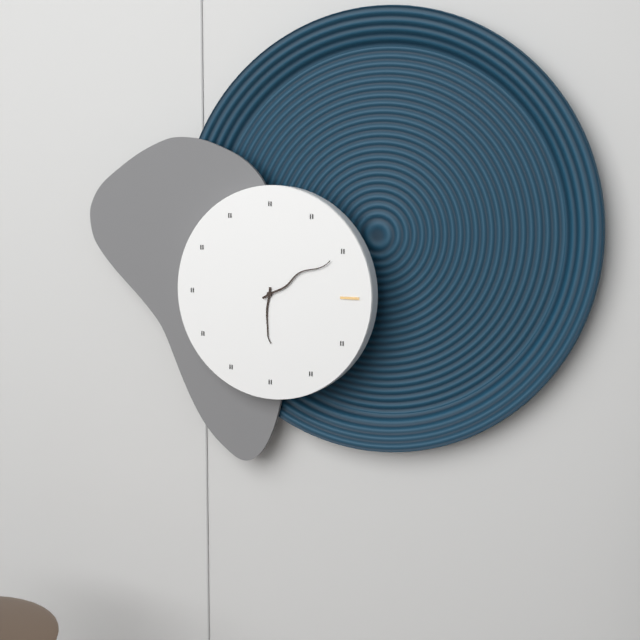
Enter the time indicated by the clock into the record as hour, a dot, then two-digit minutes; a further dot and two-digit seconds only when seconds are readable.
6.10
